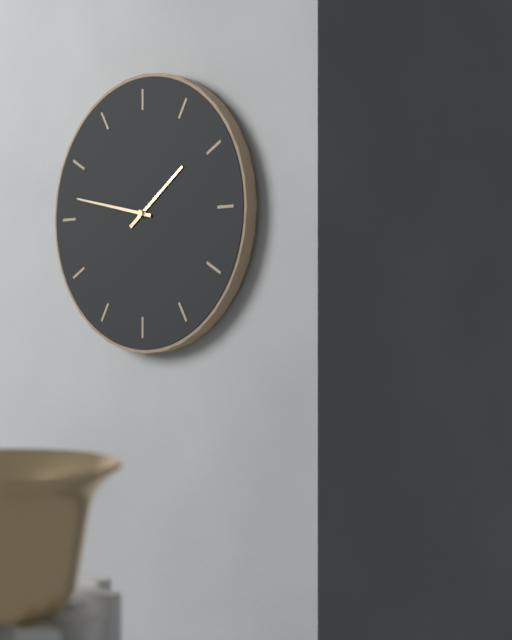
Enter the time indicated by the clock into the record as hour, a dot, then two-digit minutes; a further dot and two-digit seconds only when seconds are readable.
1.47
